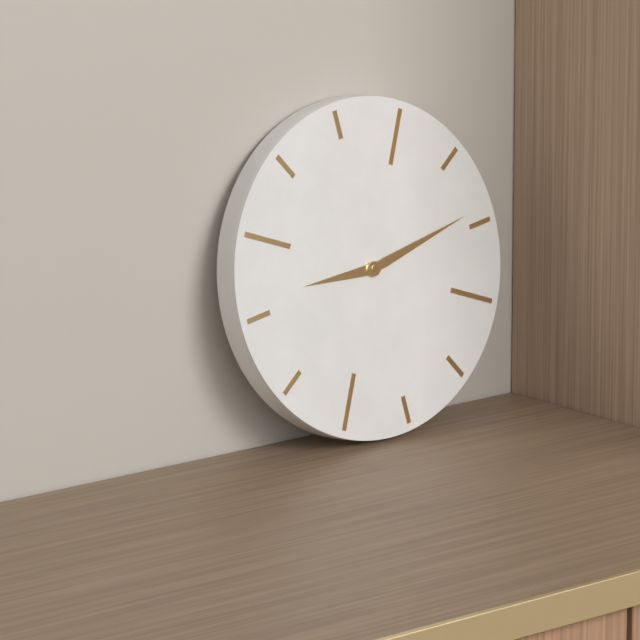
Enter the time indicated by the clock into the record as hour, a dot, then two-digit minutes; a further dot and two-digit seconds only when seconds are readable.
9.14
